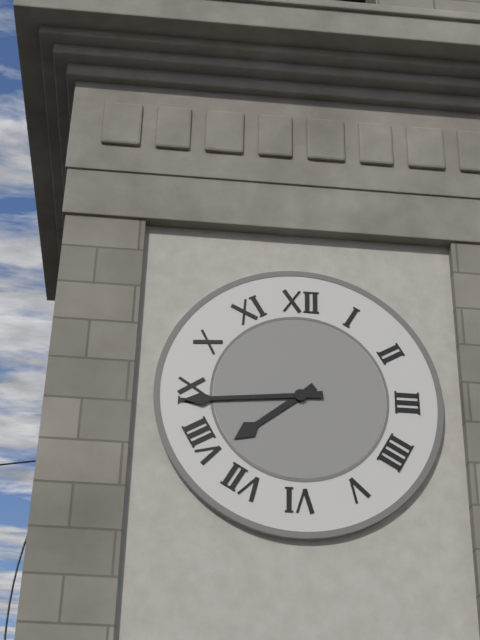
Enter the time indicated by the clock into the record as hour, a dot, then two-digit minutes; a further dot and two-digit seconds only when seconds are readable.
7.44
